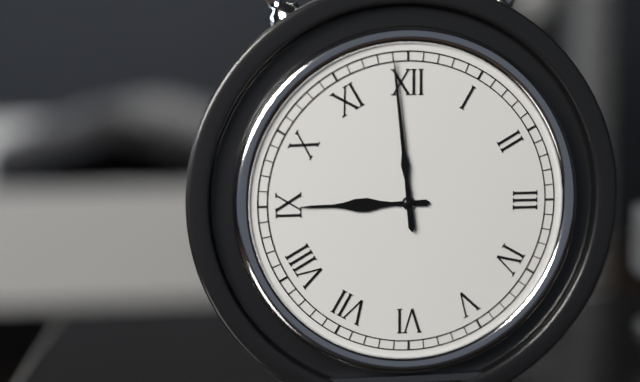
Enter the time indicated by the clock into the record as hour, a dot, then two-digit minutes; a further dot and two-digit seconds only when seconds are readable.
8.59
